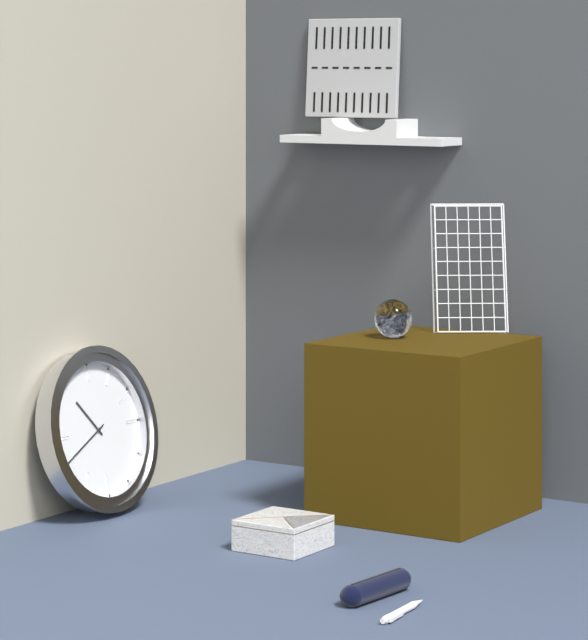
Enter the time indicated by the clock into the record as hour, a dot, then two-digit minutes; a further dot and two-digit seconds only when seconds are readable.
10.41
